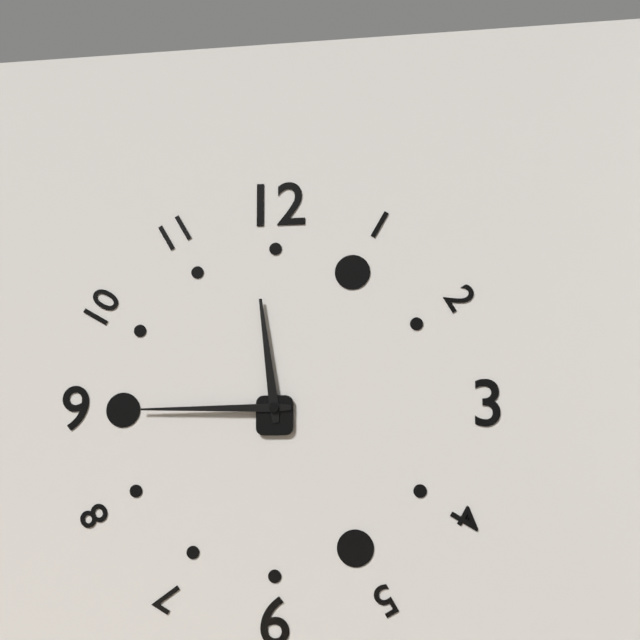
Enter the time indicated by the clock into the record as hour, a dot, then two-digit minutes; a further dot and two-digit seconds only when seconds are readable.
11.45
